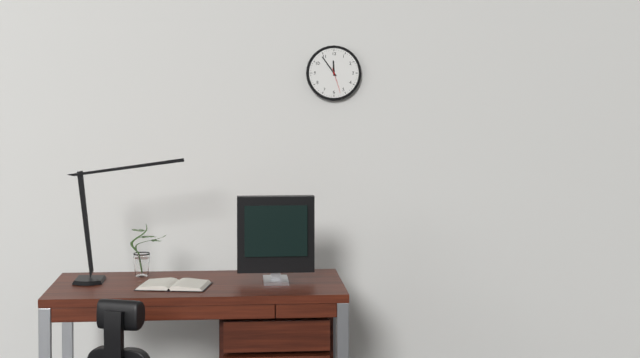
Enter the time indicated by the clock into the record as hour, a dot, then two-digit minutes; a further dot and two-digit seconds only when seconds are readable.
11.54
